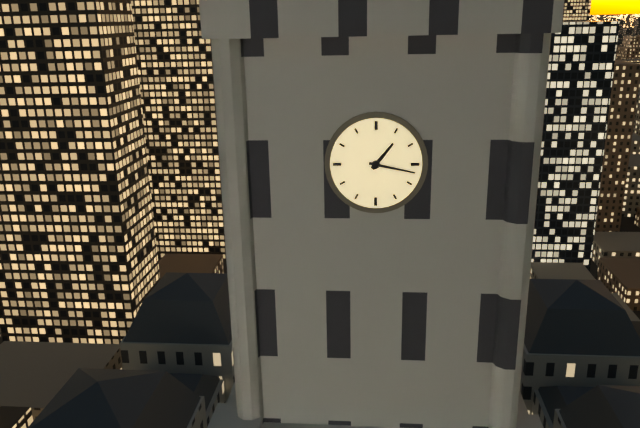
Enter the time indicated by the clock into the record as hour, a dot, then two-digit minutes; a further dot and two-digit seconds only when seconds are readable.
1.17
